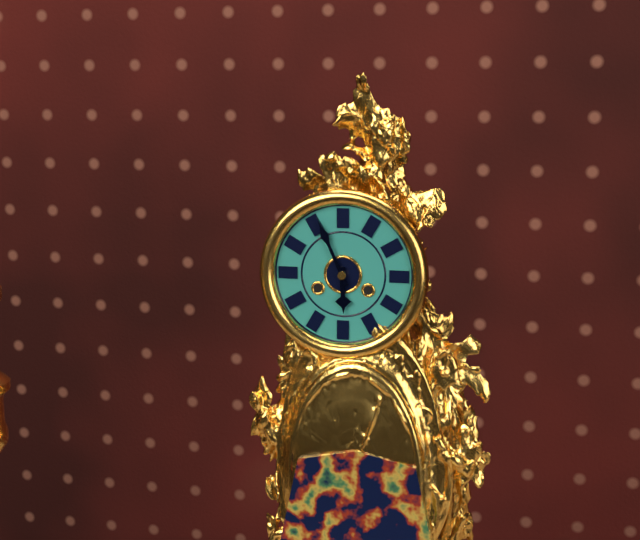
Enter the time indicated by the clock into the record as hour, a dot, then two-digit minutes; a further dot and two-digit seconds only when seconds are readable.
5.56
